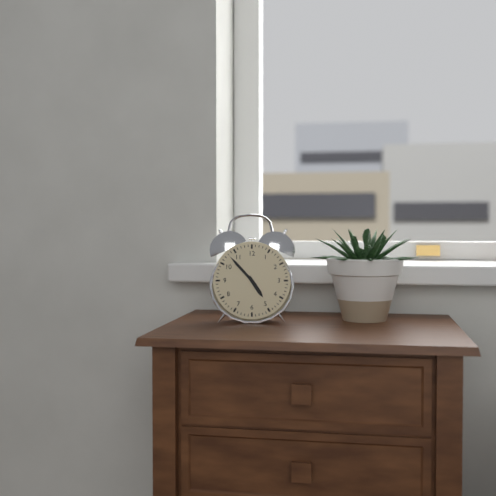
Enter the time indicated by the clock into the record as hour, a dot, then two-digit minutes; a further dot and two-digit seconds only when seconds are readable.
4.53
